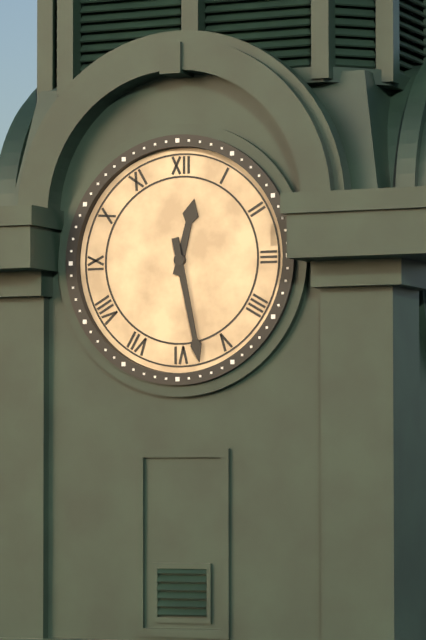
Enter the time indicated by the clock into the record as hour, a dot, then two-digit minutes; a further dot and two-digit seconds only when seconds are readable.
12.28
